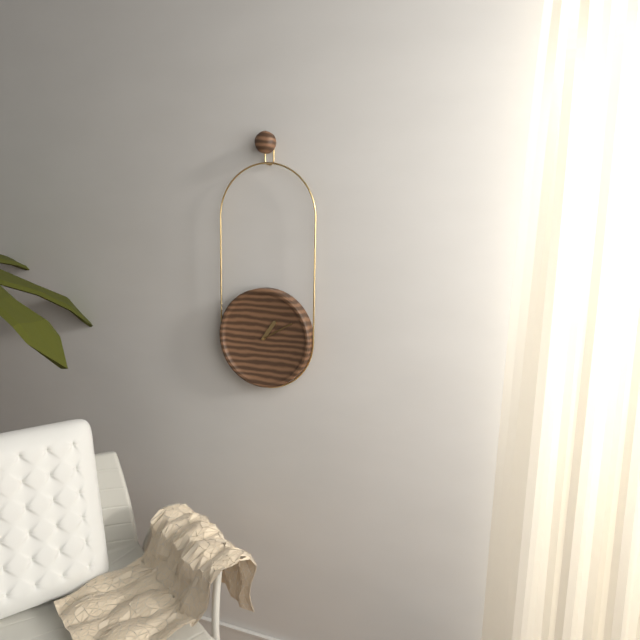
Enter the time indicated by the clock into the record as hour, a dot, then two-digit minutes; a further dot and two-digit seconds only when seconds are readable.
1.10
